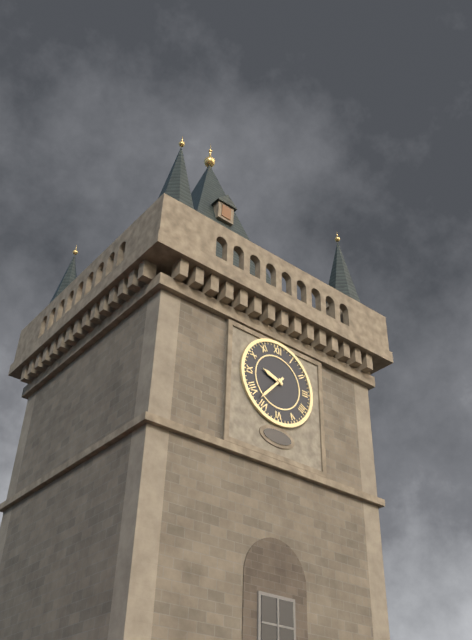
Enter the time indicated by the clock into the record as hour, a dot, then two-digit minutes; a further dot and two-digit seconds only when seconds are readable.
9.37
